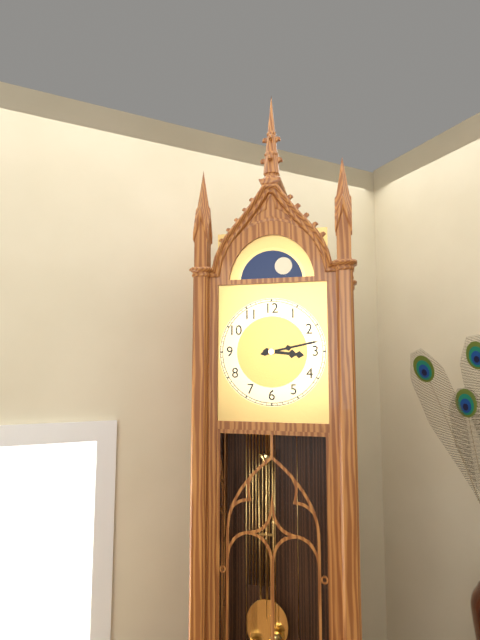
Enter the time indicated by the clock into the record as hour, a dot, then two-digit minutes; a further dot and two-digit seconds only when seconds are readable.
3.13
